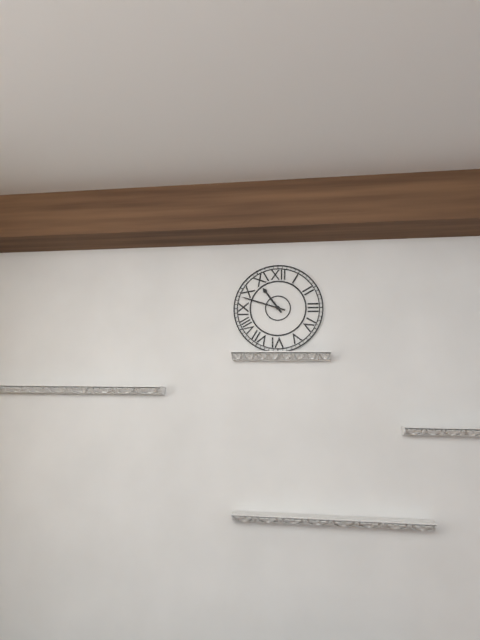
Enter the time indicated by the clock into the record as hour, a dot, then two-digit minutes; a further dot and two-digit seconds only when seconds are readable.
10.48
